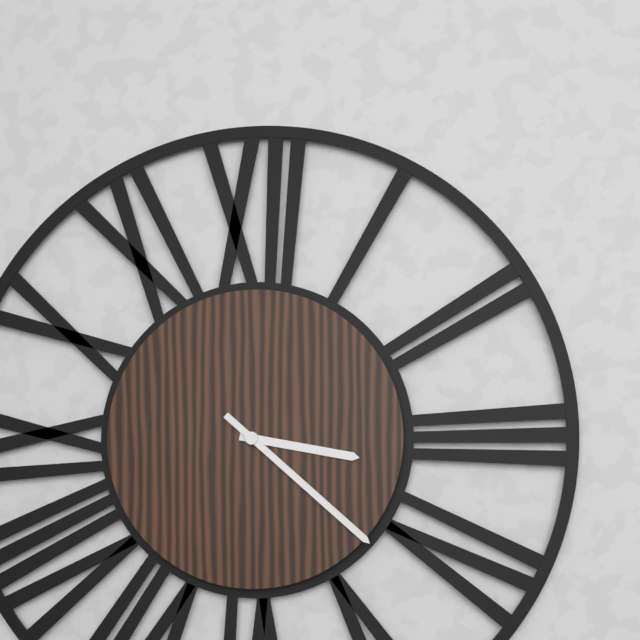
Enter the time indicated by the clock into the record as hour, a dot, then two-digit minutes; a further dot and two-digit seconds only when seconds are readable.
3.22
